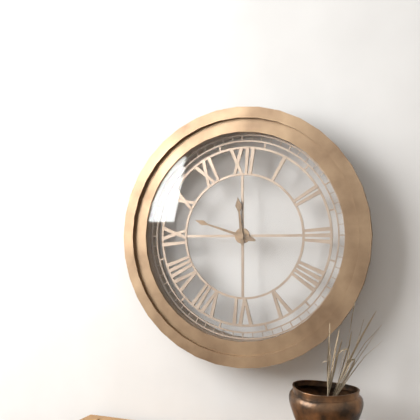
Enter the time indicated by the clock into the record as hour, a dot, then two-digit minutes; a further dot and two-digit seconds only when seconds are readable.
11.48
